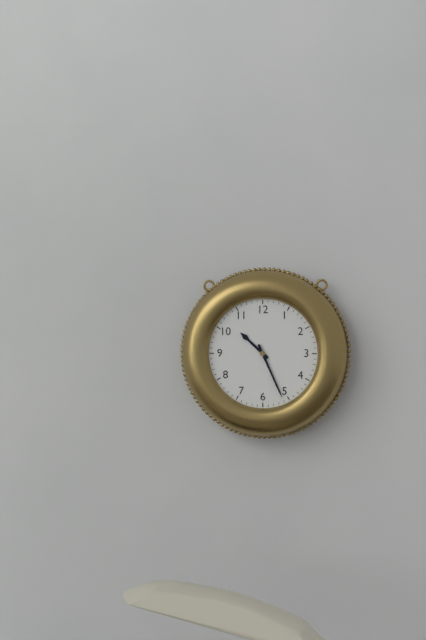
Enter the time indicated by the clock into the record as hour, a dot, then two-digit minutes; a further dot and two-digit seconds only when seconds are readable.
10.26
